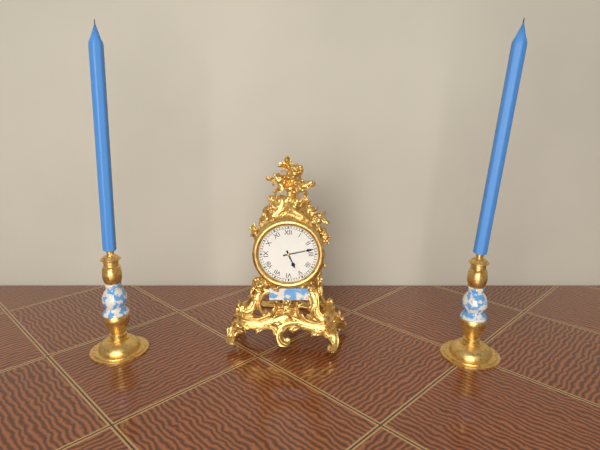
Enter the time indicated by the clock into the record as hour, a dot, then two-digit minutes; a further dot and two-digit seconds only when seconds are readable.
5.13
